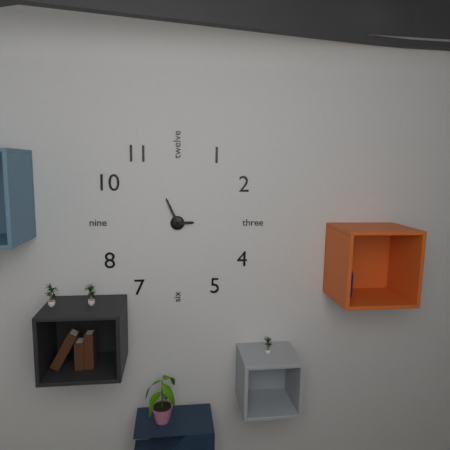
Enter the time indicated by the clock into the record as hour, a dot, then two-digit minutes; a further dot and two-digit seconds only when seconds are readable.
2.56
